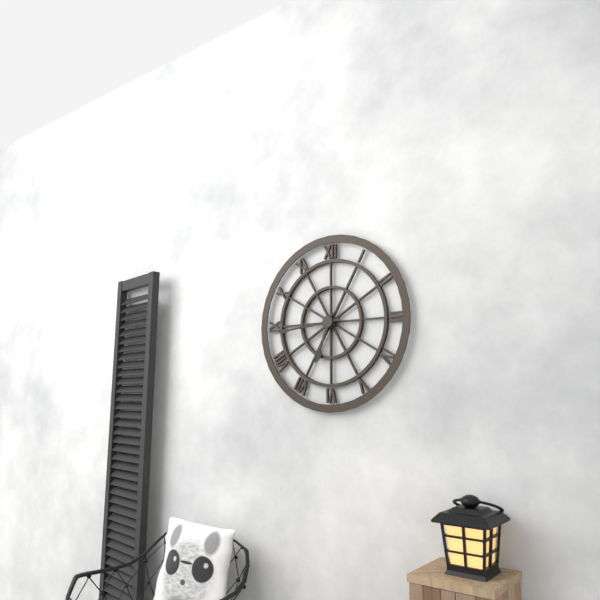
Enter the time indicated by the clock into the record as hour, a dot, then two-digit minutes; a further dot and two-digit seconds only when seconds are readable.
6.44
